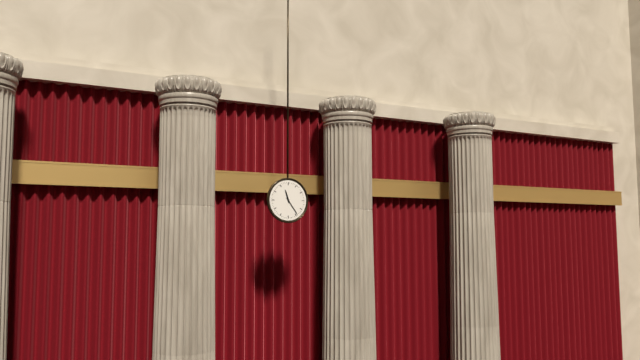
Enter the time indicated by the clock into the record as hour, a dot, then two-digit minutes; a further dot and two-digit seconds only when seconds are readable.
11.24
